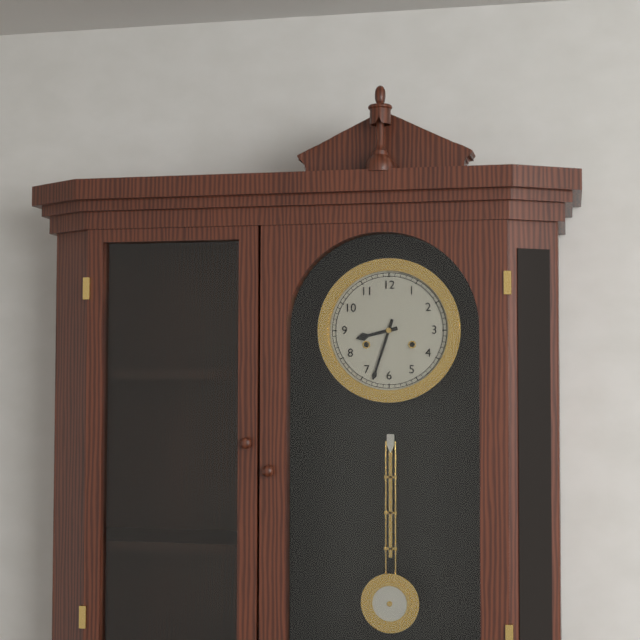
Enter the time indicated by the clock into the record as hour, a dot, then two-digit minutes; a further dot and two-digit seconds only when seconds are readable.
8.33
